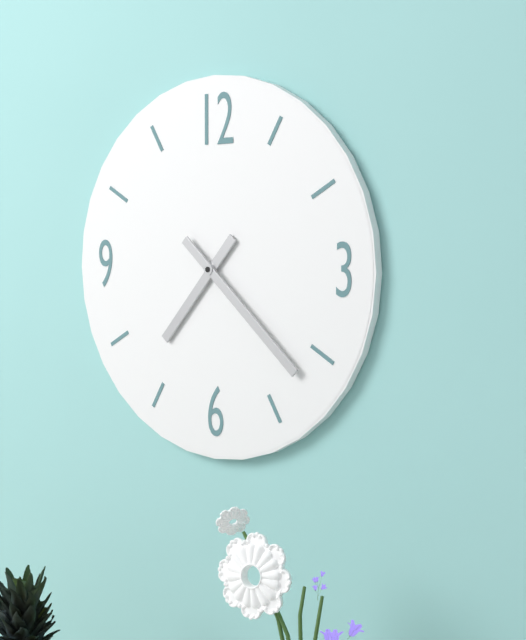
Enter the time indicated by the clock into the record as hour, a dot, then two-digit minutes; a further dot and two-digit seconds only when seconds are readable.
7.22
